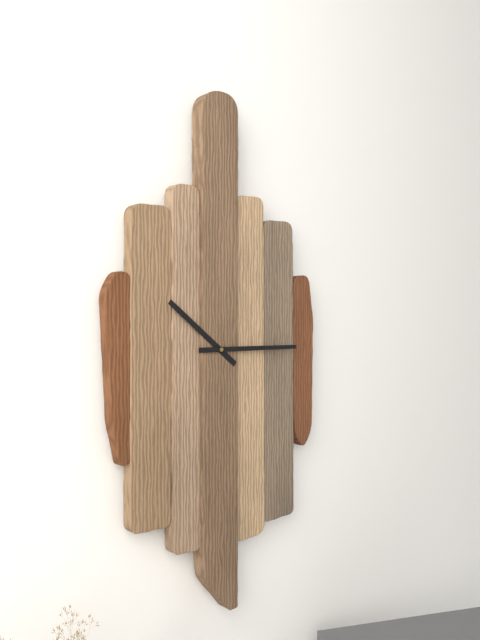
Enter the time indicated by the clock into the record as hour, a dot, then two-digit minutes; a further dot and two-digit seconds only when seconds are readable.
10.15
